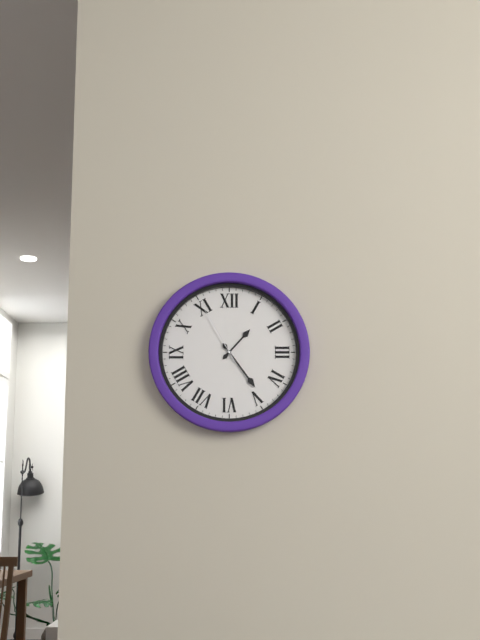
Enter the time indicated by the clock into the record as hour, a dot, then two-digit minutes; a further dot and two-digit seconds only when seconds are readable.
1.24.55
